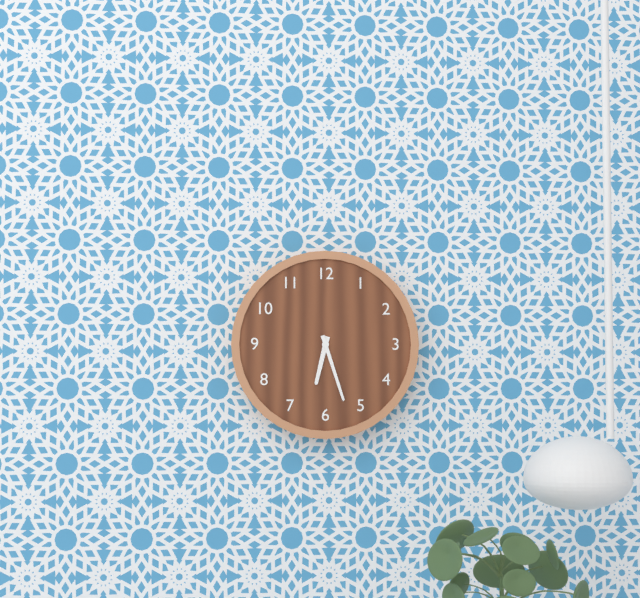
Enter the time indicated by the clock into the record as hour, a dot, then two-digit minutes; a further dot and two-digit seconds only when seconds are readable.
6.27
